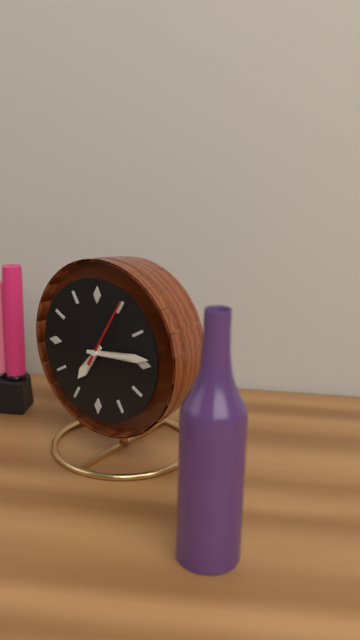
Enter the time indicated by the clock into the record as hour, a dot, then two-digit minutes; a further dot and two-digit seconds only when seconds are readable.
7.14.05
